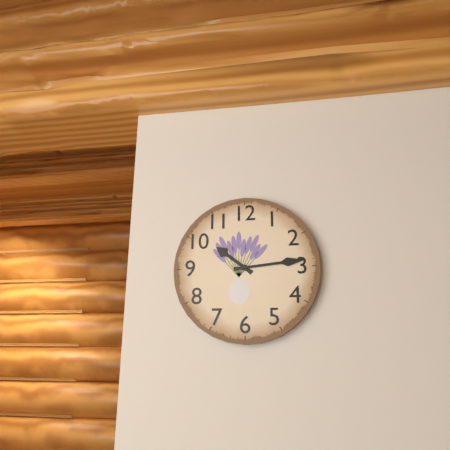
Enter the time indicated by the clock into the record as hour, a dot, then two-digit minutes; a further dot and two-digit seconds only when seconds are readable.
10.14
